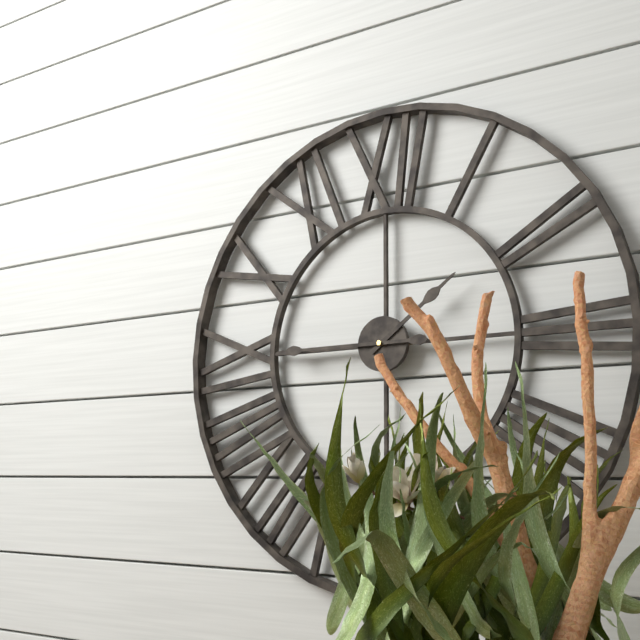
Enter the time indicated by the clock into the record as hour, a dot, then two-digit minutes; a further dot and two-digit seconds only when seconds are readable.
1.45
